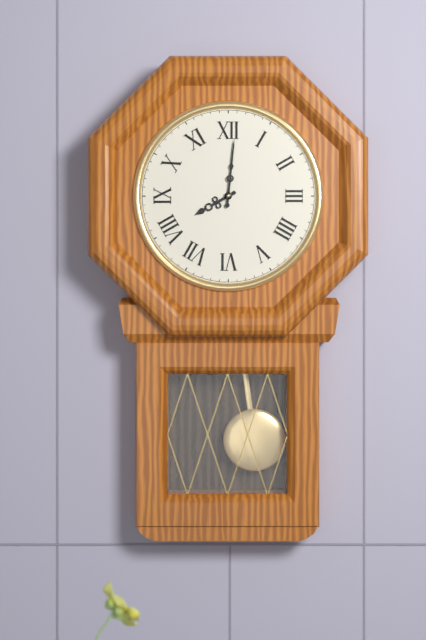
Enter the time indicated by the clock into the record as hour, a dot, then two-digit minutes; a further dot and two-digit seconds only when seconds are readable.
8.01
